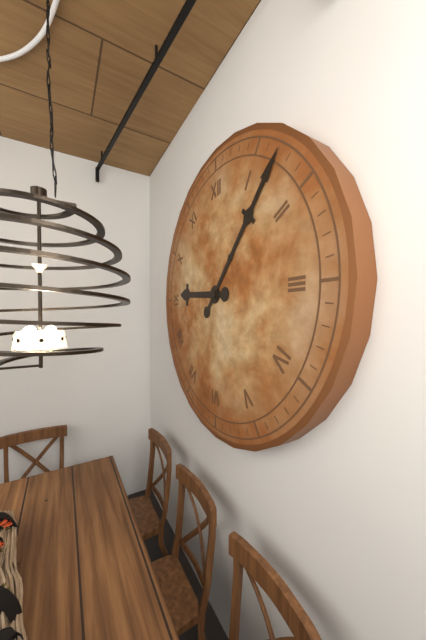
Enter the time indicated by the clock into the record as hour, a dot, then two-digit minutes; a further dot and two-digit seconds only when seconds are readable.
9.07
